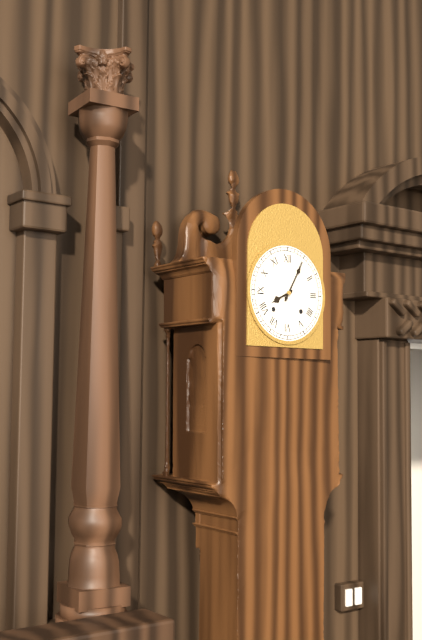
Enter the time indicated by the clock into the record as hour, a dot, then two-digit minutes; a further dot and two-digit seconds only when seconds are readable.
8.05
